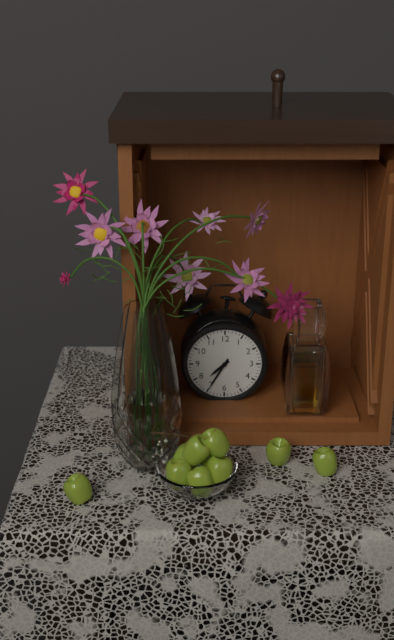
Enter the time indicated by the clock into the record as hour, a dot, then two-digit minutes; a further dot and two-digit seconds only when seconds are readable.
7.35
